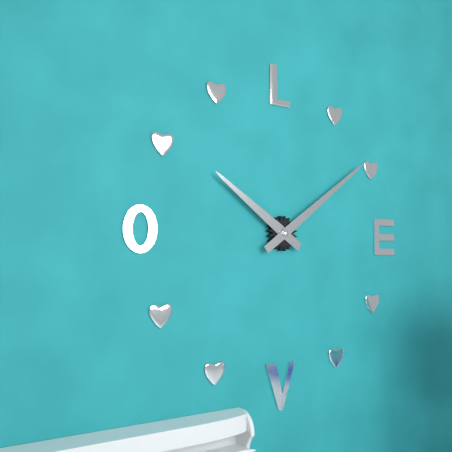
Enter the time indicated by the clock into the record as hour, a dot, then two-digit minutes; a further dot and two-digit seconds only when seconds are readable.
10.09
